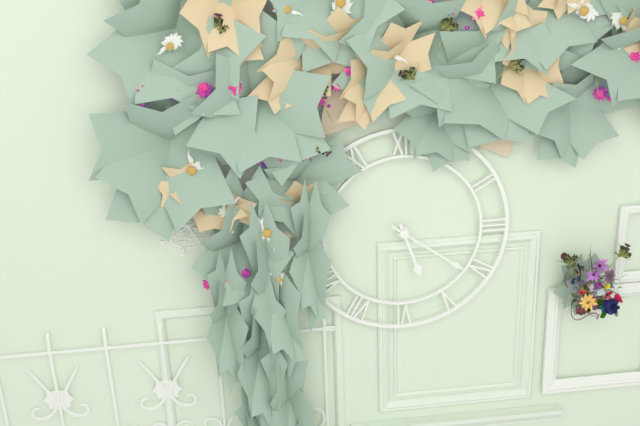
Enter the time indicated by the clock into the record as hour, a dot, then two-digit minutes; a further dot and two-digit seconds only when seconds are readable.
5.21
